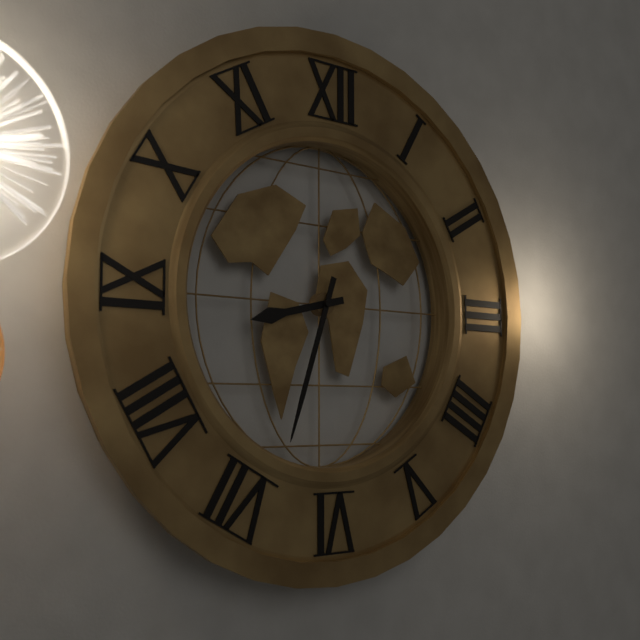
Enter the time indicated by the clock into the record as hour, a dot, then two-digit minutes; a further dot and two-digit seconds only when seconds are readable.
8.33
